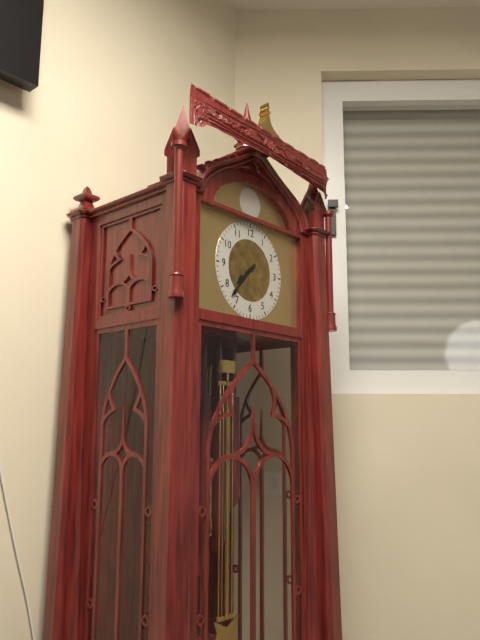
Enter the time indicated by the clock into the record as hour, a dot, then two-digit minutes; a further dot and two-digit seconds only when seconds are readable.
7.37
